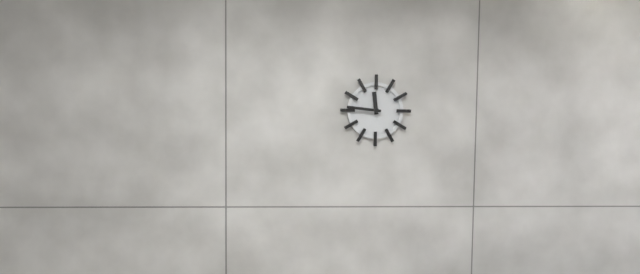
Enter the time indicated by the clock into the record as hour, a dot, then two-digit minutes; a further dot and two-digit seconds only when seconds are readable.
11.46
